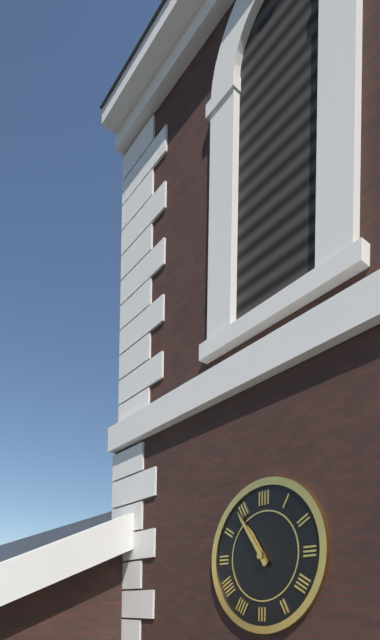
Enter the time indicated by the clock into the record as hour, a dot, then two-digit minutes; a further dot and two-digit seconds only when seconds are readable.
10.54
